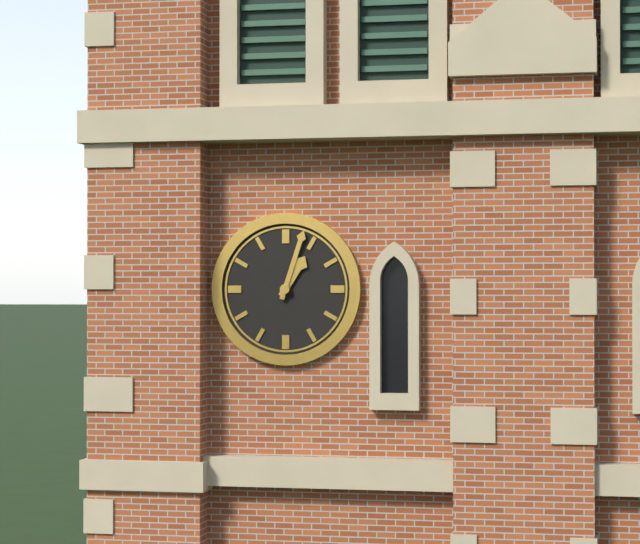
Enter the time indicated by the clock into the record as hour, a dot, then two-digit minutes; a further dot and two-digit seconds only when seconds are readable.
1.03
